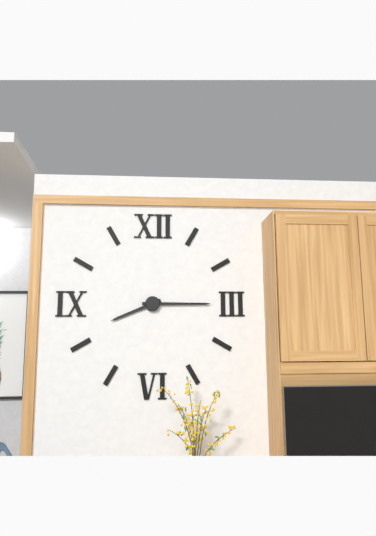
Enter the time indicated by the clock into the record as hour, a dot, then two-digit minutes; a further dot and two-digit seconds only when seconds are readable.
8.15
